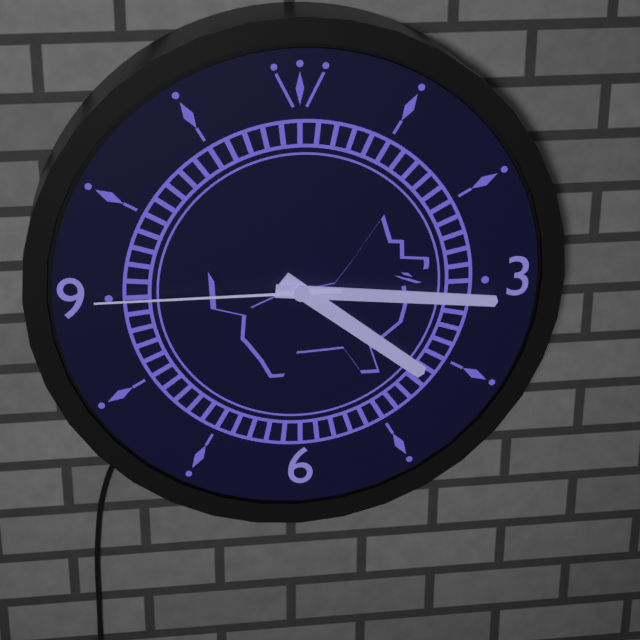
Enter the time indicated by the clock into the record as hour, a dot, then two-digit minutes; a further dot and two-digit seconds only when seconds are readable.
4.16.45
